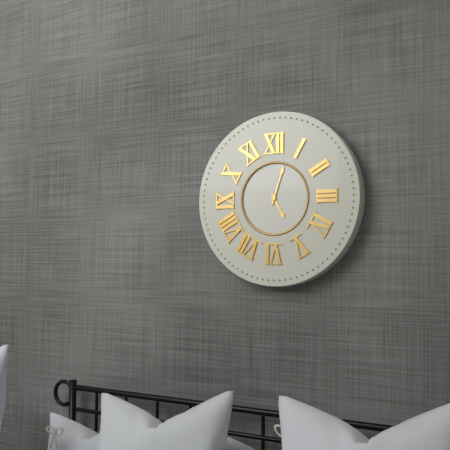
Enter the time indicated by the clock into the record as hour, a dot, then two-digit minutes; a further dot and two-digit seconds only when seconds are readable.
5.03
